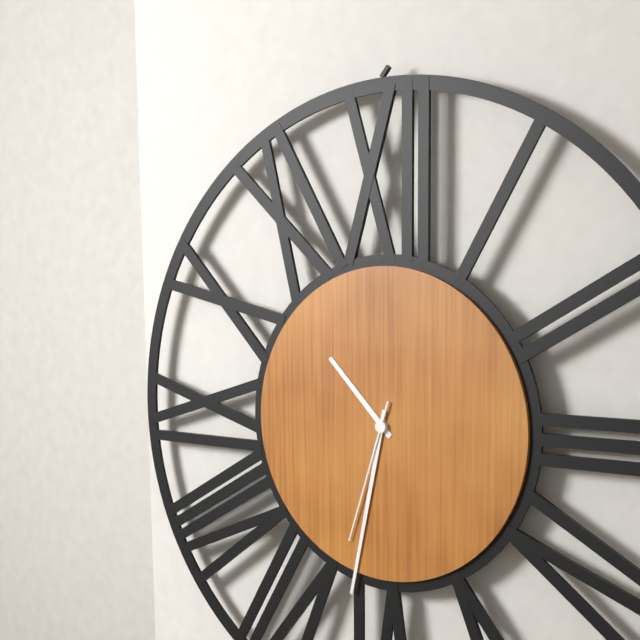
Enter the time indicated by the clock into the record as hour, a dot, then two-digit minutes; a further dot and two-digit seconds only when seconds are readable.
10.32.33
